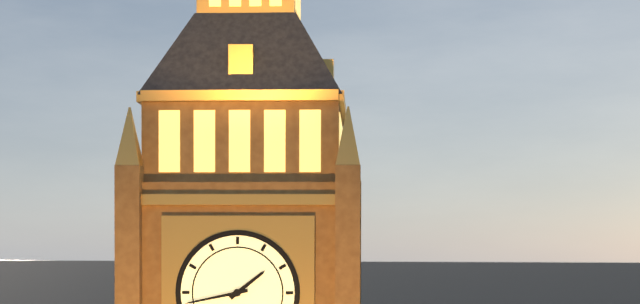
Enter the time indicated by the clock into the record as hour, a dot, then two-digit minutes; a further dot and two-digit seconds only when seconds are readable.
1.43
